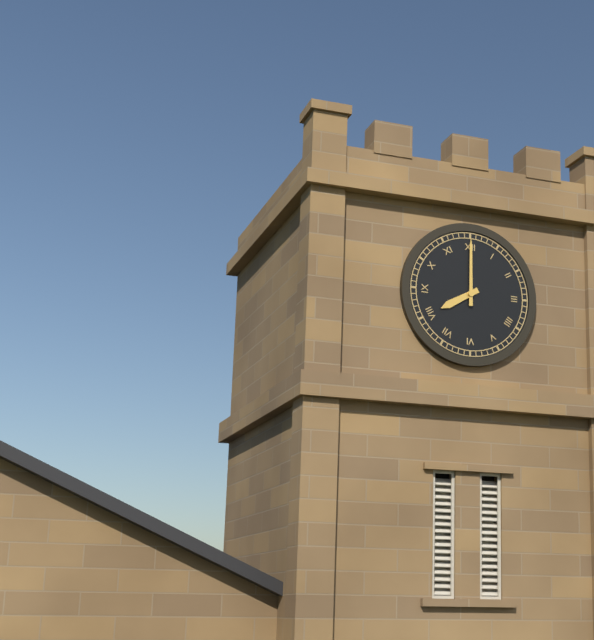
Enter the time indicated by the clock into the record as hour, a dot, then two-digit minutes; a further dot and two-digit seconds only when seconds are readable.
8.00
